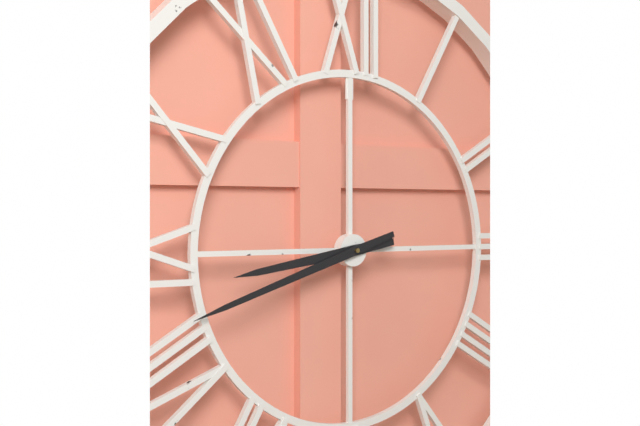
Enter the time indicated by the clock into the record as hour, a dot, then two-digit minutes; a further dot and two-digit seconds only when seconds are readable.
8.42
